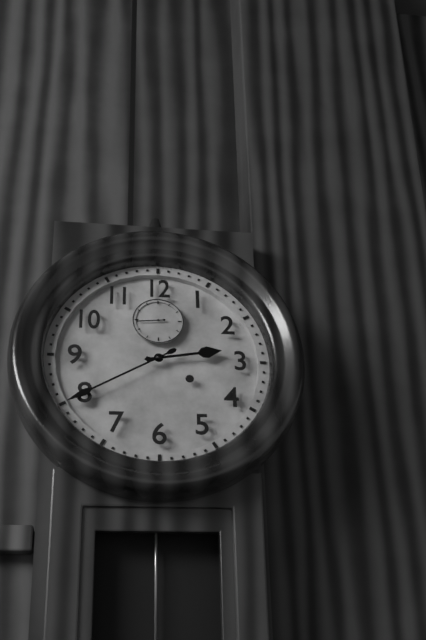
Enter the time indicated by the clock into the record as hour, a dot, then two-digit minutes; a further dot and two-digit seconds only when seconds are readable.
2.40
